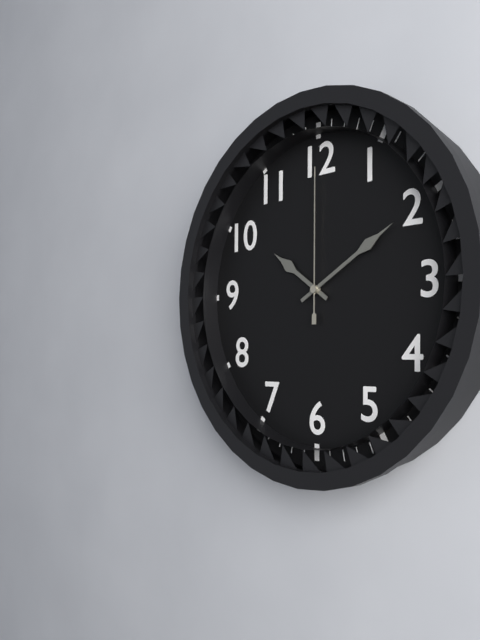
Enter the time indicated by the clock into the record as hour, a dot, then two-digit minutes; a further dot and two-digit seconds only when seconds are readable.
10.10.00
